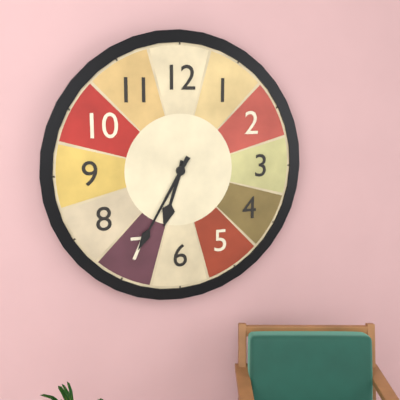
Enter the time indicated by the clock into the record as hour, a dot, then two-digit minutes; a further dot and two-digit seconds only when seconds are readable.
6.35
